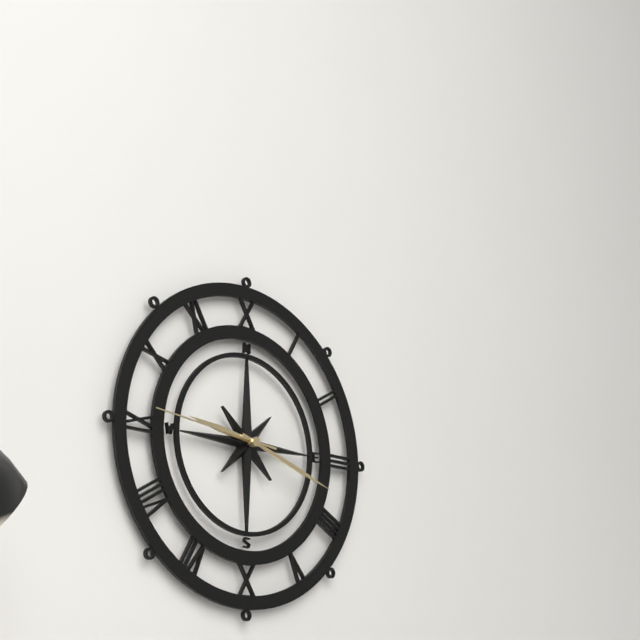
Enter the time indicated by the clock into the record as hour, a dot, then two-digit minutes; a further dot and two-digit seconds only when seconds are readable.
9.18.46
